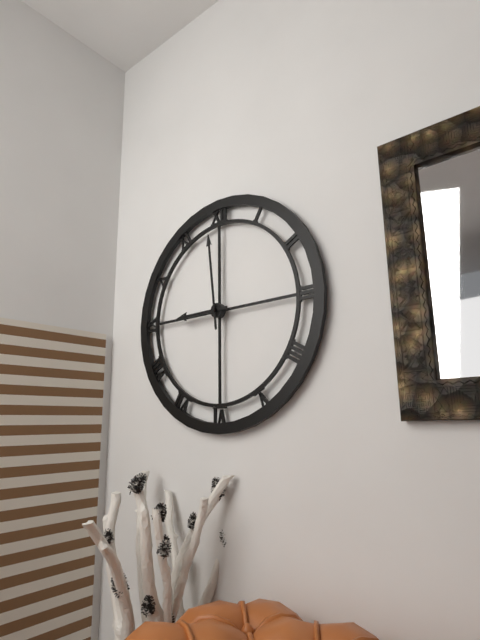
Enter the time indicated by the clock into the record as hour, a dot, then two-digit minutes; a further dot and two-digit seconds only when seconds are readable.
8.59
